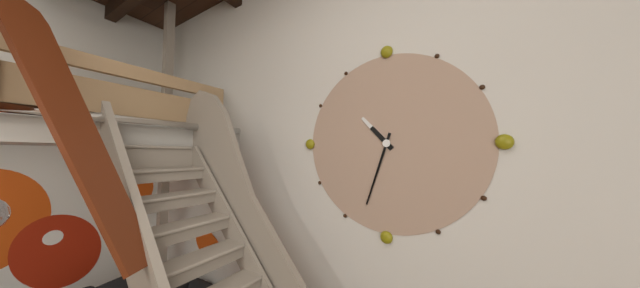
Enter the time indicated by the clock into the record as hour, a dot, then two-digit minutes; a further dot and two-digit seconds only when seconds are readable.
10.33
